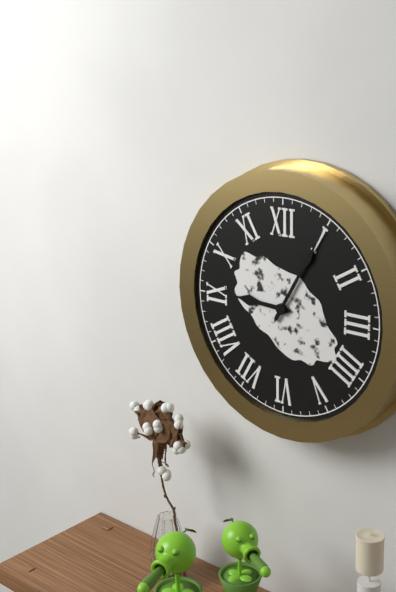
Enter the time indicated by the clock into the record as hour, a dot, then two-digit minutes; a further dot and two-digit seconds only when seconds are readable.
9.05
